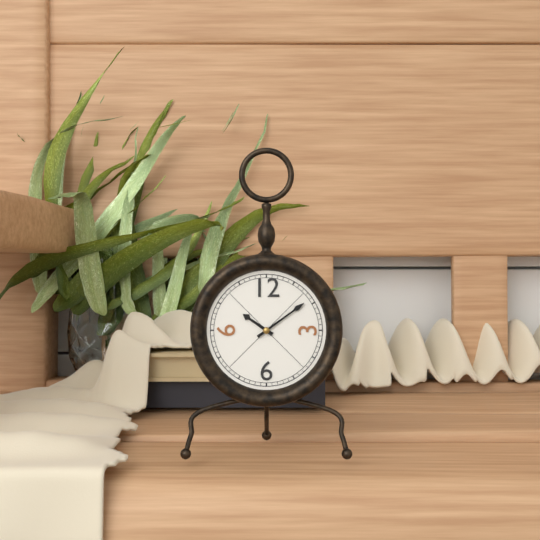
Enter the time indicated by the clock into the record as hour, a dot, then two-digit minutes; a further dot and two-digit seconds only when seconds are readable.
10.09
